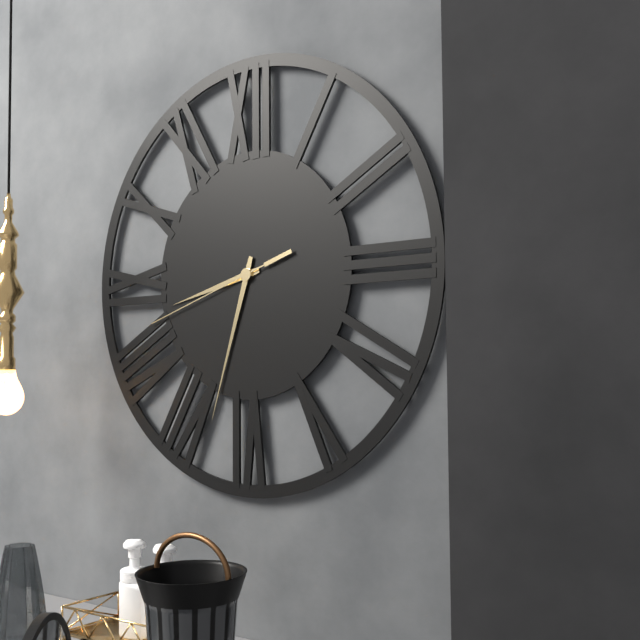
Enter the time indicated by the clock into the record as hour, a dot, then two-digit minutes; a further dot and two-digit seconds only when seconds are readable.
8.33.42
